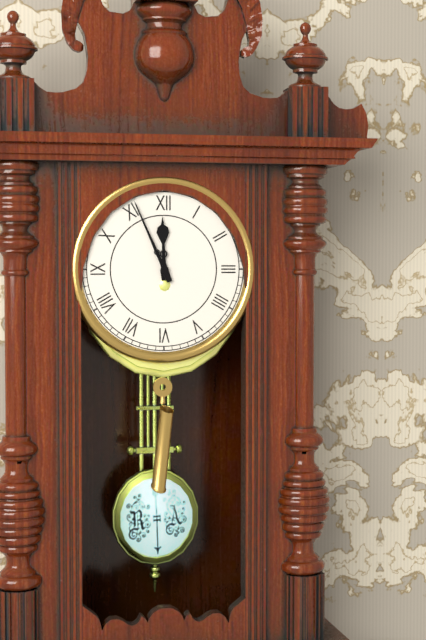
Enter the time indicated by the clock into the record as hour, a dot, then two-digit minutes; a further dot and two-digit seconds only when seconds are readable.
11.56
